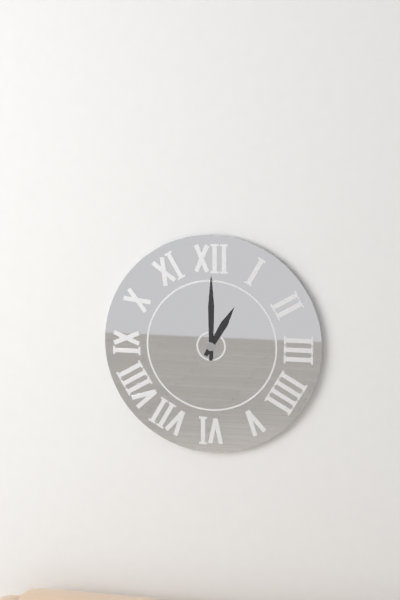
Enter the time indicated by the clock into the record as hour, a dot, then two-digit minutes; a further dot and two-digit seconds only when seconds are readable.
1.00
